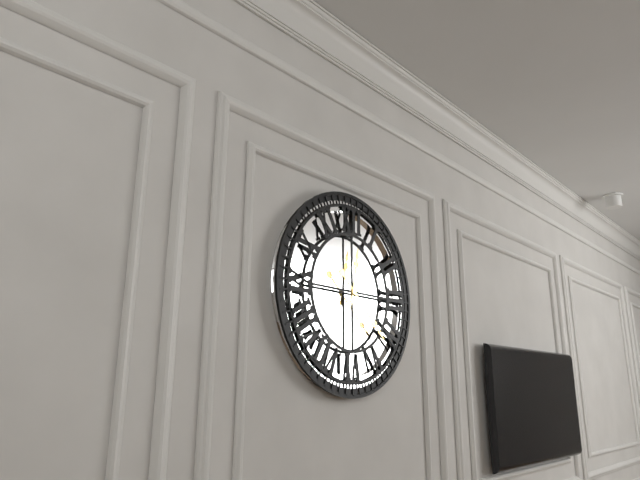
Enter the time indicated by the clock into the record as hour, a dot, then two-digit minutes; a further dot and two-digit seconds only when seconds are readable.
12.22
